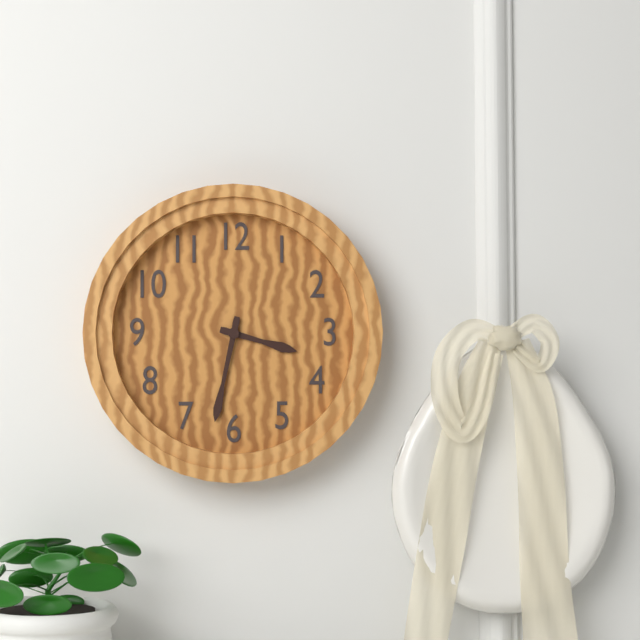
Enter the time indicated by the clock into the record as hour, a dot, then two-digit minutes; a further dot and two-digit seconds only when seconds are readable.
3.32
